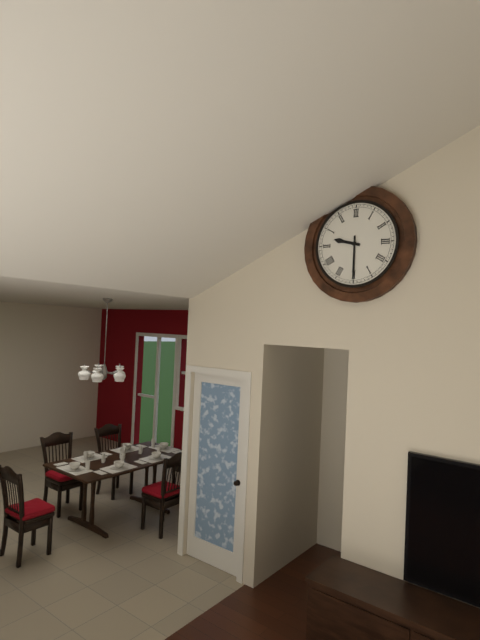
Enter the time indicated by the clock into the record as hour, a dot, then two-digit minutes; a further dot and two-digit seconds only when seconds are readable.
9.30
